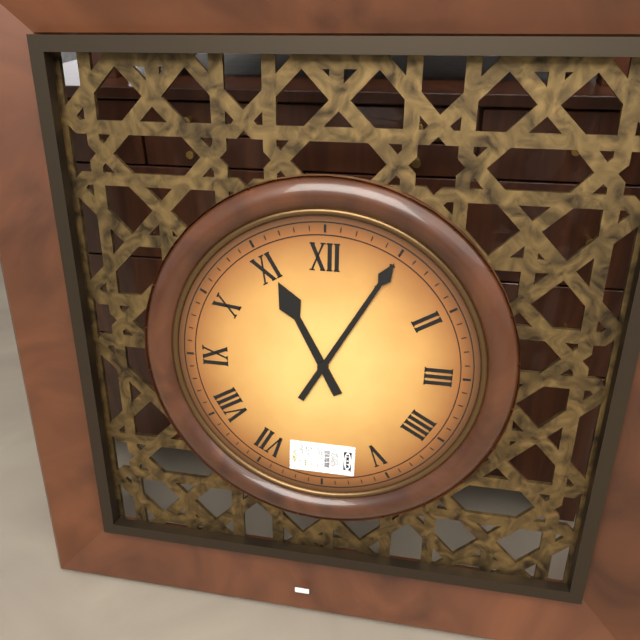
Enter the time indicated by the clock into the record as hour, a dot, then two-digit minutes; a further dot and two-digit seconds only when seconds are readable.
11.05
